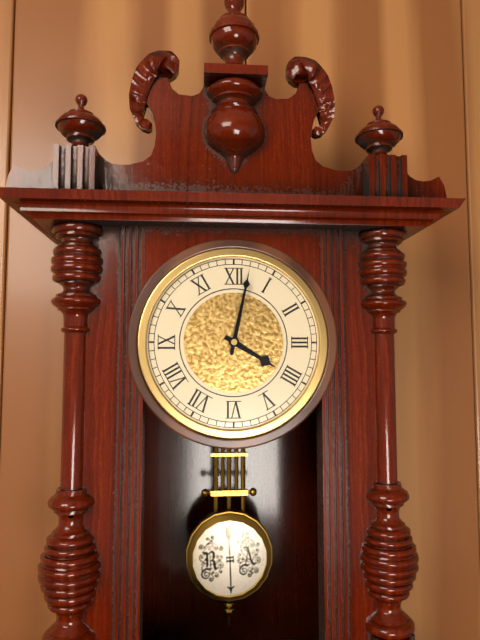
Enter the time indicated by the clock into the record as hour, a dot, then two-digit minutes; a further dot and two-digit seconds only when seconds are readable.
4.02
